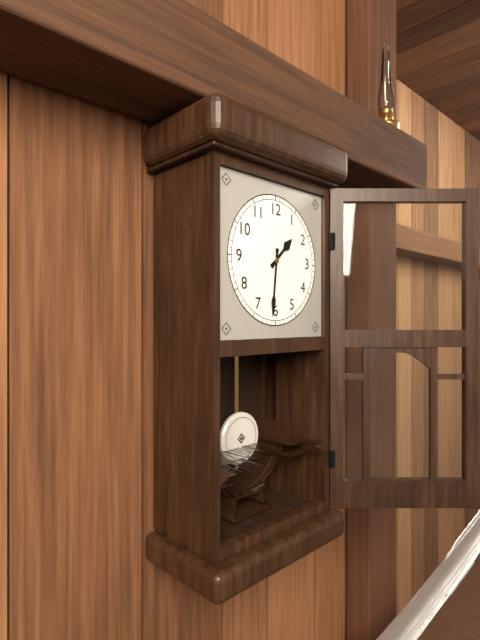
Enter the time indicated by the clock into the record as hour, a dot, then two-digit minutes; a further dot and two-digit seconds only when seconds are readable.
1.31
